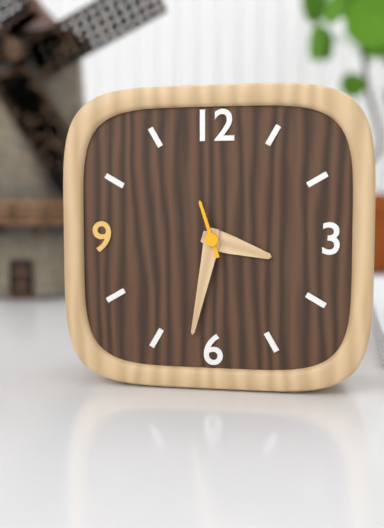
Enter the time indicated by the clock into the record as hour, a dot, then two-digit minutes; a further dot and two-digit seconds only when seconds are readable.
3.32.57
